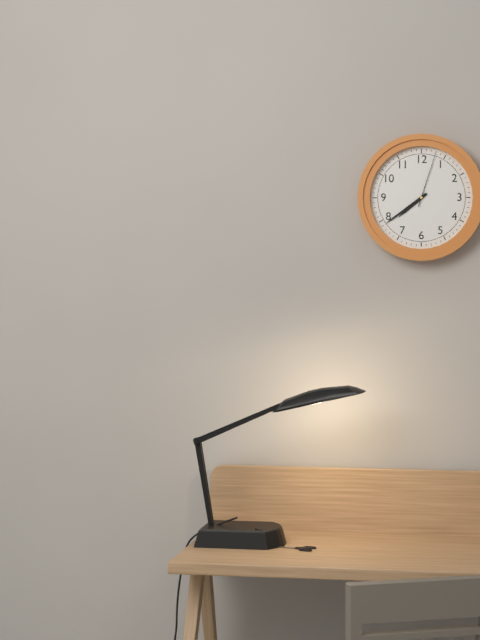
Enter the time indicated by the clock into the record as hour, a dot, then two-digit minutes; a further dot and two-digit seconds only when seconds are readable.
7.39.03
